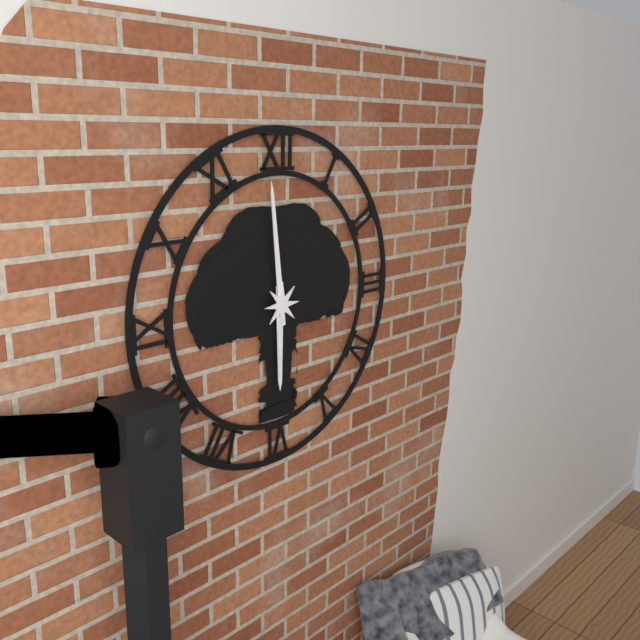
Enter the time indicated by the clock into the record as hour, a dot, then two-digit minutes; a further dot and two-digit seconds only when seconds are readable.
5.59
